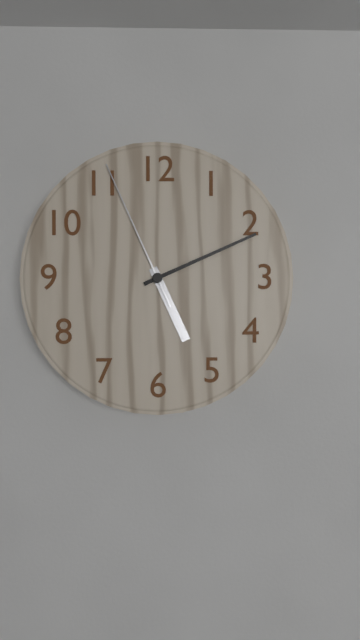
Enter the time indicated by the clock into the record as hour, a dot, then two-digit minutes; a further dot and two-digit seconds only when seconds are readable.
5.11.56
